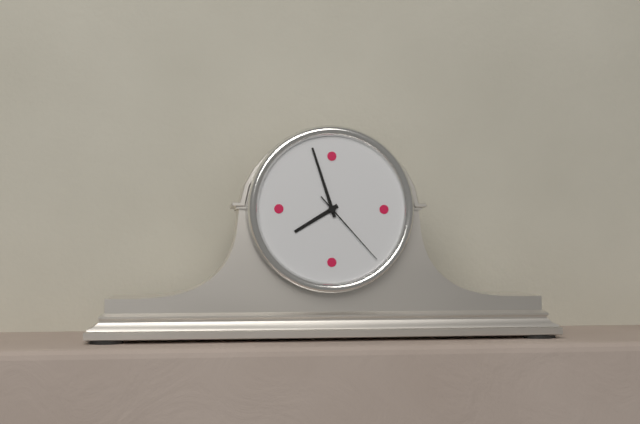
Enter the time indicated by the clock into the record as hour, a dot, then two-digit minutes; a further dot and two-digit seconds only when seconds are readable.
7.57.23
